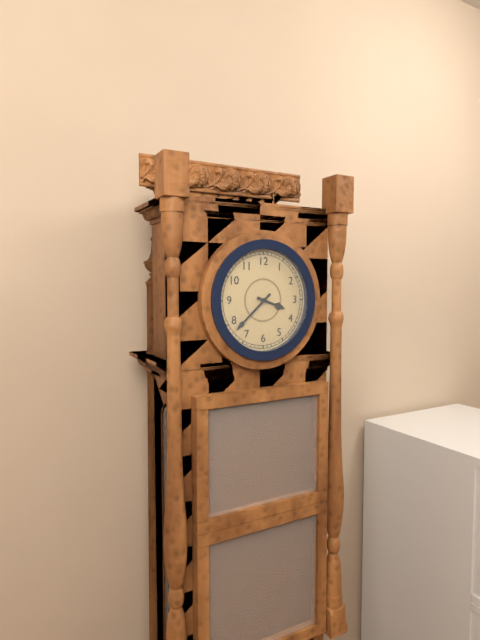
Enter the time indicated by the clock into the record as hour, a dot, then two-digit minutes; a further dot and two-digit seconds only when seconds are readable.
3.38
